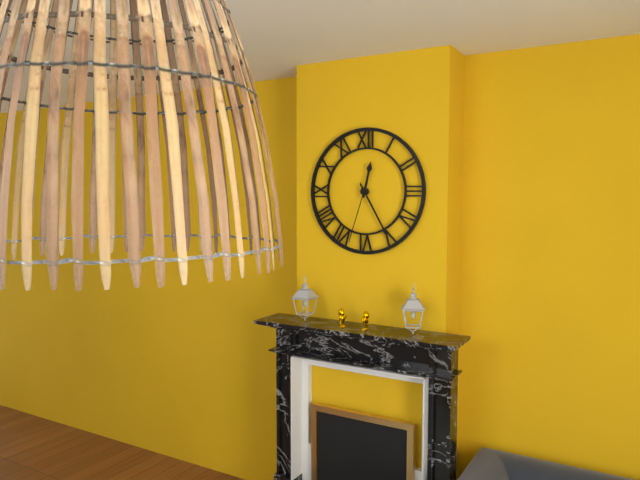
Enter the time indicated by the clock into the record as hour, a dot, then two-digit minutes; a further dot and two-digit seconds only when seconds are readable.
12.25.33
